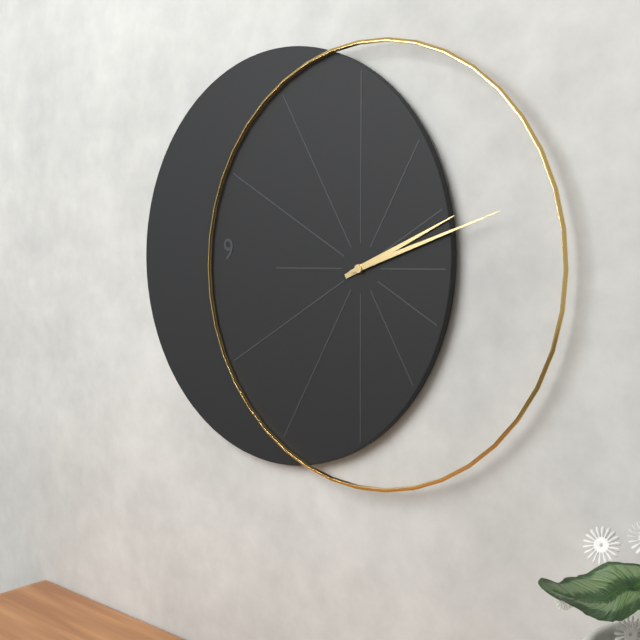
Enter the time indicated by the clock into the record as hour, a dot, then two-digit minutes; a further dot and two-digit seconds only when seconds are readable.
2.12
